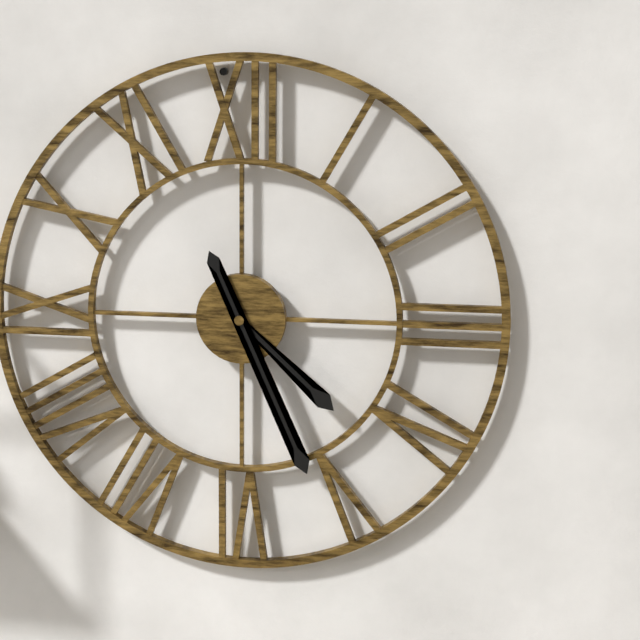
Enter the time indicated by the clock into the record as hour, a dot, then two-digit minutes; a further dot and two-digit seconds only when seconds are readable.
4.26
